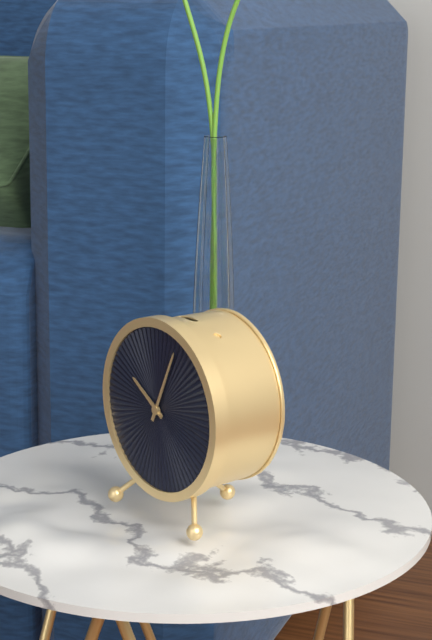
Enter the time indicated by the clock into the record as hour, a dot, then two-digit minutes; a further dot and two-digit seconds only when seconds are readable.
10.04
